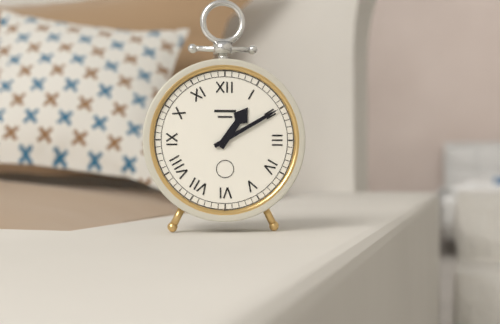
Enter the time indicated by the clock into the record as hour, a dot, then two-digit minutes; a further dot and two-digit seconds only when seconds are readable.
1.10
